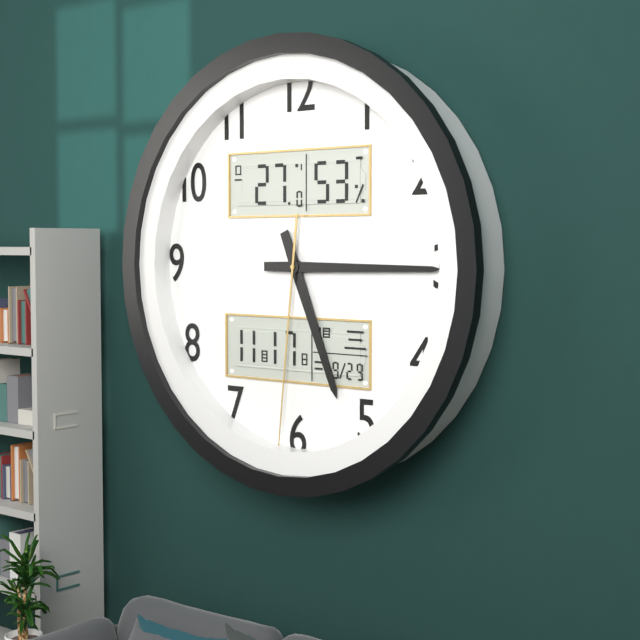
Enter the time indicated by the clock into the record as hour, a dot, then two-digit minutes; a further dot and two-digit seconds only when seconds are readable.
5.15.31
